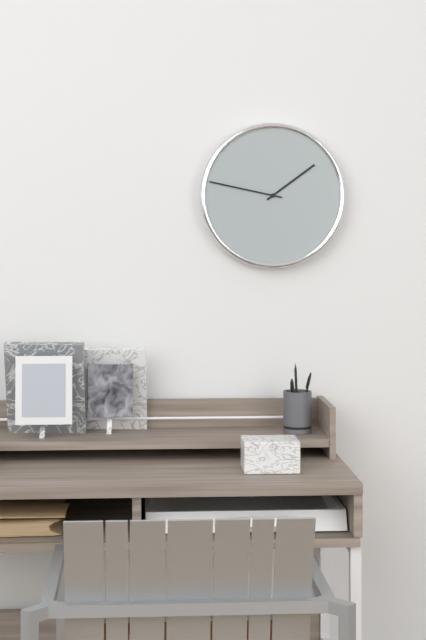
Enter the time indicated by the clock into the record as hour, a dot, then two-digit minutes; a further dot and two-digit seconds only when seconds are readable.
1.47
